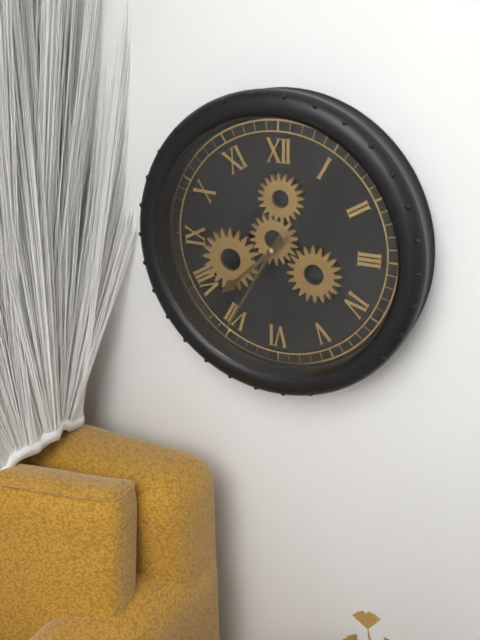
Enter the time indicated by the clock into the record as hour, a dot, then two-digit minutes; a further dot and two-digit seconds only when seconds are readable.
7.35
